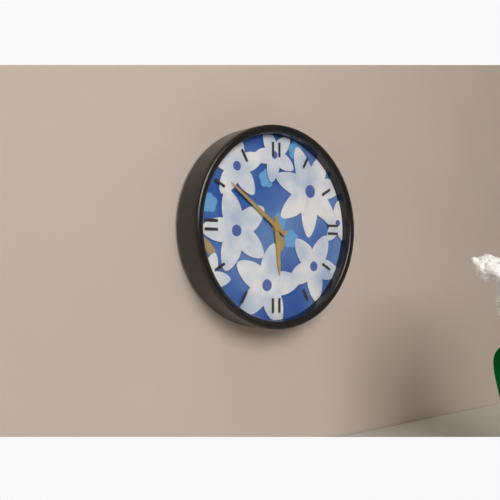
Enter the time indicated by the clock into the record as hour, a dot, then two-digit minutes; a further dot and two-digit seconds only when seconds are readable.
5.51
